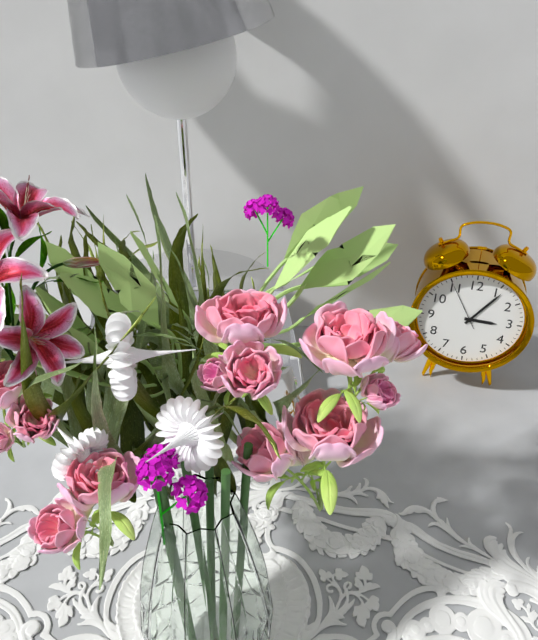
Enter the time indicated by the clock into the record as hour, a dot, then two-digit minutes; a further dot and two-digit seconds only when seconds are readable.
3.06.55
